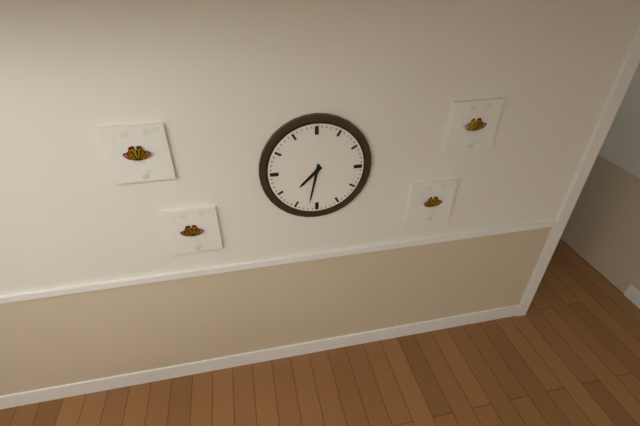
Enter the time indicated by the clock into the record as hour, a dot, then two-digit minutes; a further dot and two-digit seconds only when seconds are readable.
7.32
